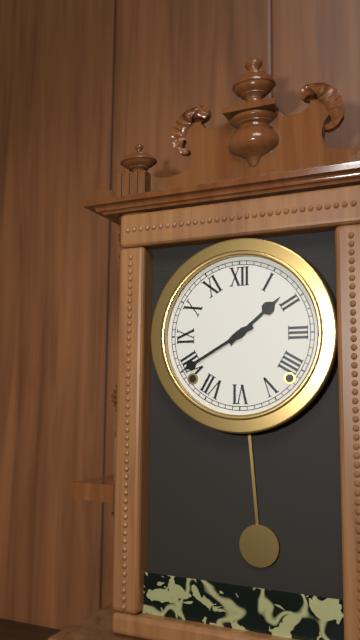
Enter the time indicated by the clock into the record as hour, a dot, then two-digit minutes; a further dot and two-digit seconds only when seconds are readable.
1.40
